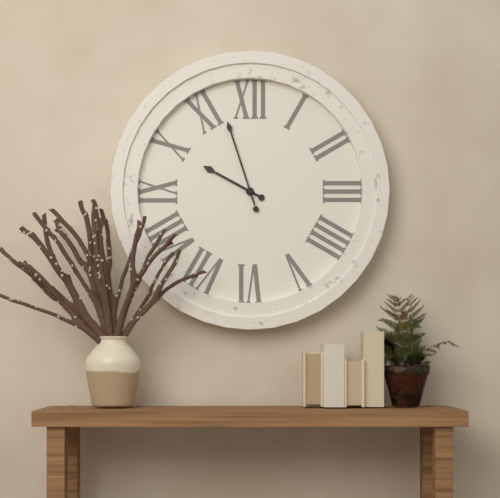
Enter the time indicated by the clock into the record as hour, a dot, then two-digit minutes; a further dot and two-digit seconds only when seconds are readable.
9.57
